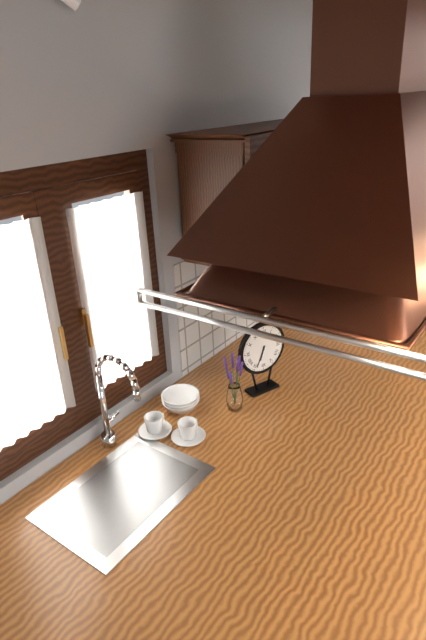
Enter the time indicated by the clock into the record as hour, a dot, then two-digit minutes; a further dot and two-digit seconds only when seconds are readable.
6.34
